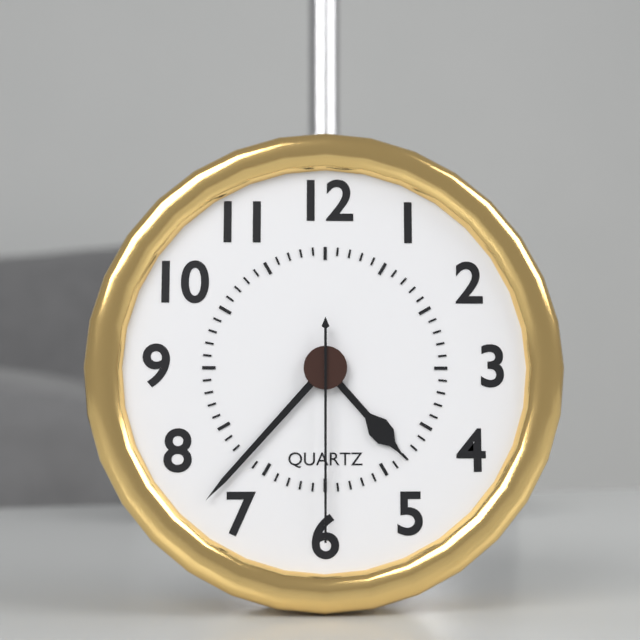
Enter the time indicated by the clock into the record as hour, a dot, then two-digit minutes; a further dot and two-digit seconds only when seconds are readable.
4.37.30
